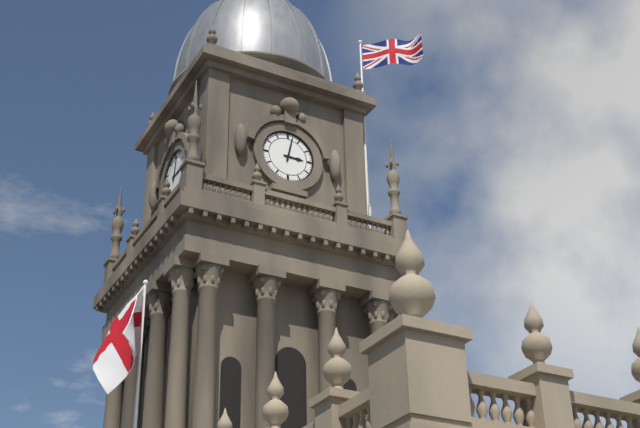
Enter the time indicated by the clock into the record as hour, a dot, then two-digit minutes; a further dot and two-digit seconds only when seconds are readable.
3.02
